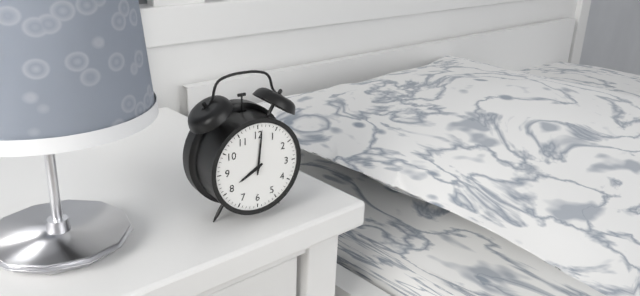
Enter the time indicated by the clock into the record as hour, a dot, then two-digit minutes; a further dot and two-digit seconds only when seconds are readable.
8.01
